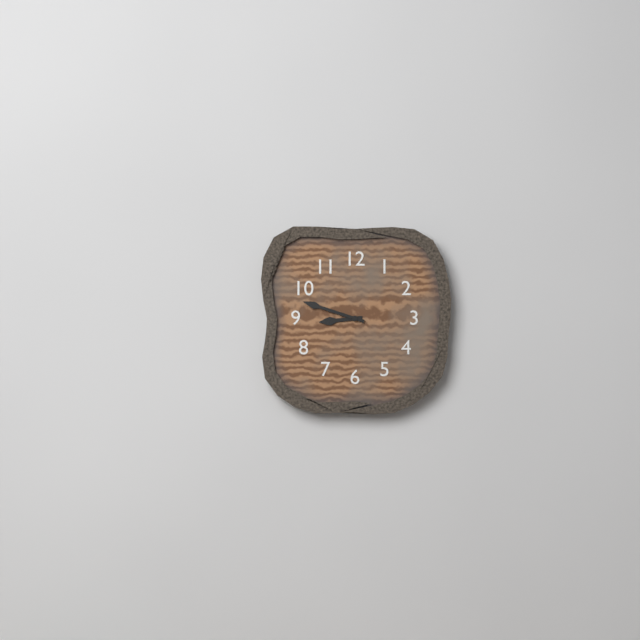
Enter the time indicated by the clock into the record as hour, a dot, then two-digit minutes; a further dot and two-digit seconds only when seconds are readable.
8.48
